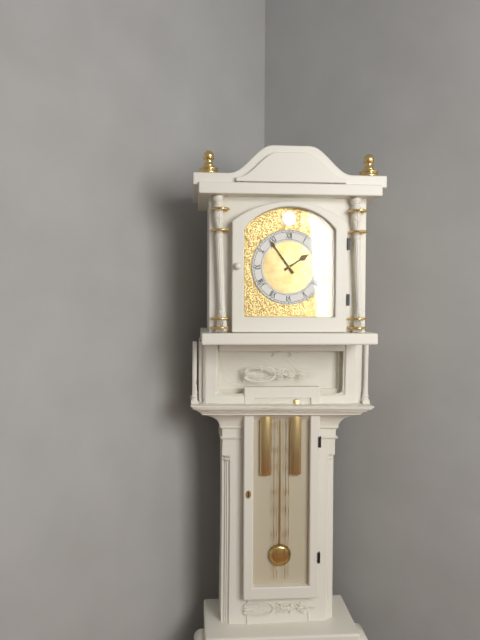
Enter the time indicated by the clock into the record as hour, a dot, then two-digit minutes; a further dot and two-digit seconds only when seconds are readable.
1.54
